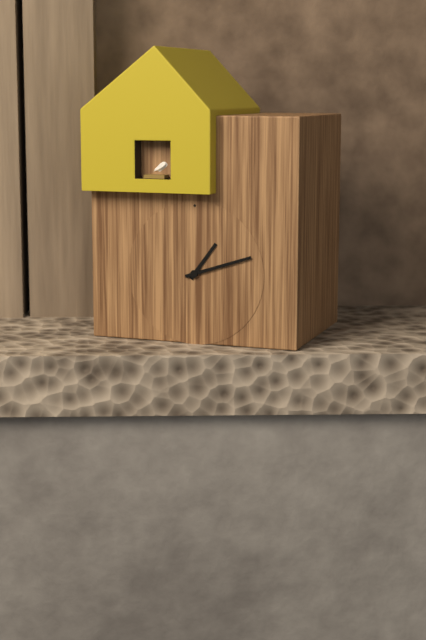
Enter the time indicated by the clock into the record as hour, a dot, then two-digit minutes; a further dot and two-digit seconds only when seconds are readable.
1.12
